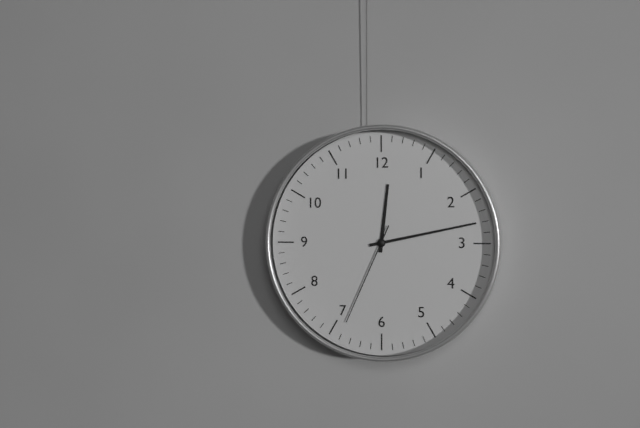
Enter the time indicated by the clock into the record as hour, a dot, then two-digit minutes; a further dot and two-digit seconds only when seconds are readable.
12.13.34
